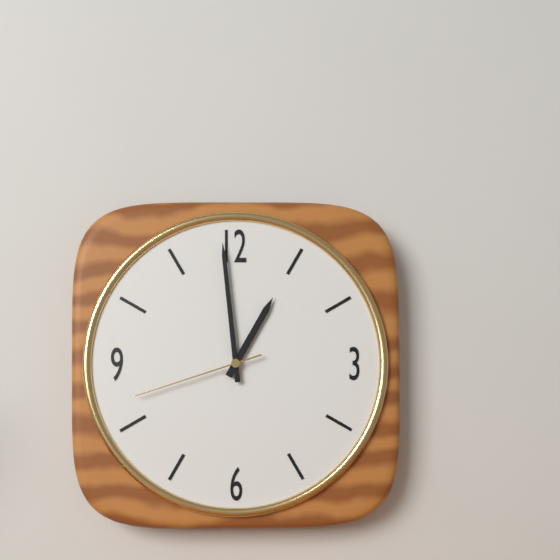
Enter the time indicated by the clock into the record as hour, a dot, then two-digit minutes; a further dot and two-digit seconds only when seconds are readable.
12.59.42
